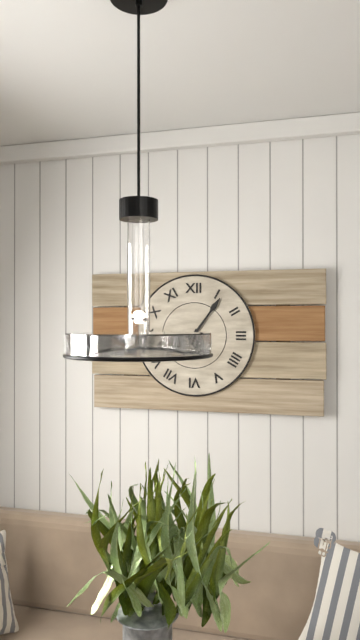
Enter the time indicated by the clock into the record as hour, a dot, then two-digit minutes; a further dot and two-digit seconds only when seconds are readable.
7.06
